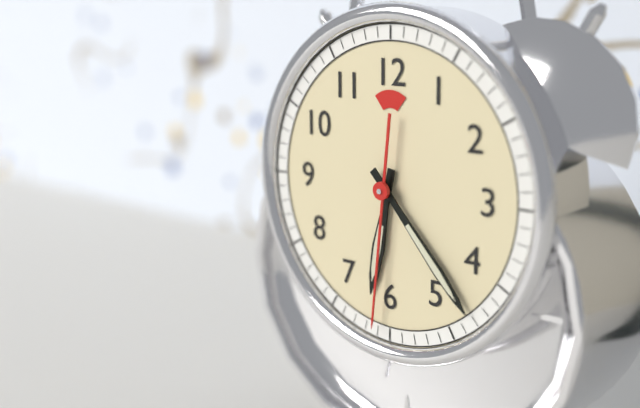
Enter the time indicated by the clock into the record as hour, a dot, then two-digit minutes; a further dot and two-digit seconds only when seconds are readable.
6.23.31
